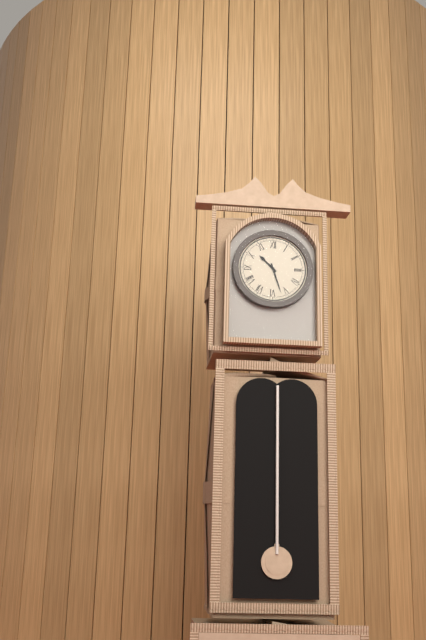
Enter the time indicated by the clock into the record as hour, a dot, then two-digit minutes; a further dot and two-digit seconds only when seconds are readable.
10.27
